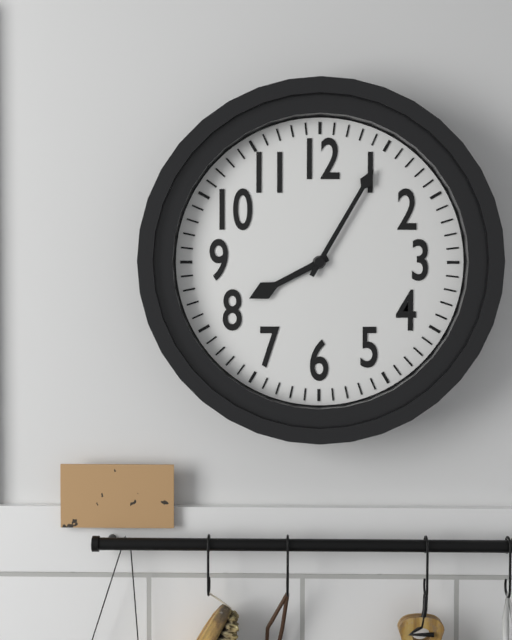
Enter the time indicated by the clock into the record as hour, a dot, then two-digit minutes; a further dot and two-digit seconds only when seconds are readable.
8.05
